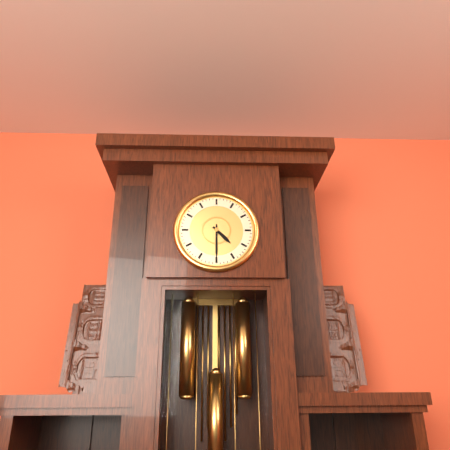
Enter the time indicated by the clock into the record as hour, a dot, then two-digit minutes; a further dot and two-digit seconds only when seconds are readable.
4.30
